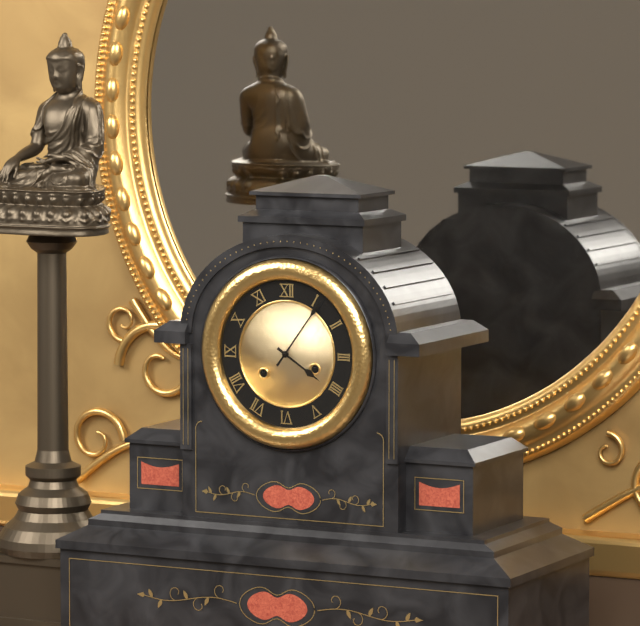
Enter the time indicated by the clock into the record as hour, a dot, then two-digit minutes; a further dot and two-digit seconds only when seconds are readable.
4.06
